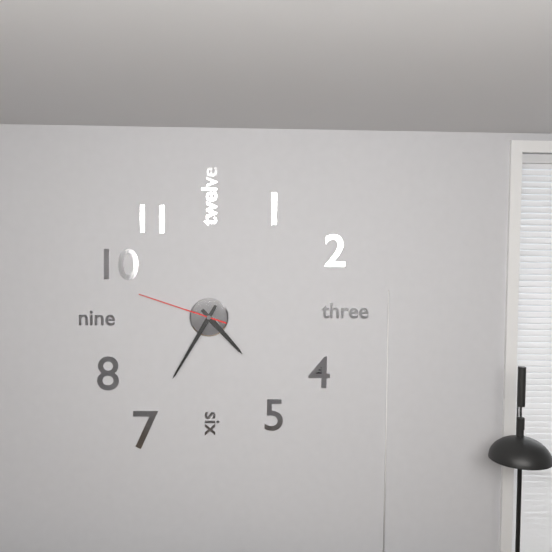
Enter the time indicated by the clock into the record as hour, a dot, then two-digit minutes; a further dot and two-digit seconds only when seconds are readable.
4.35.48
